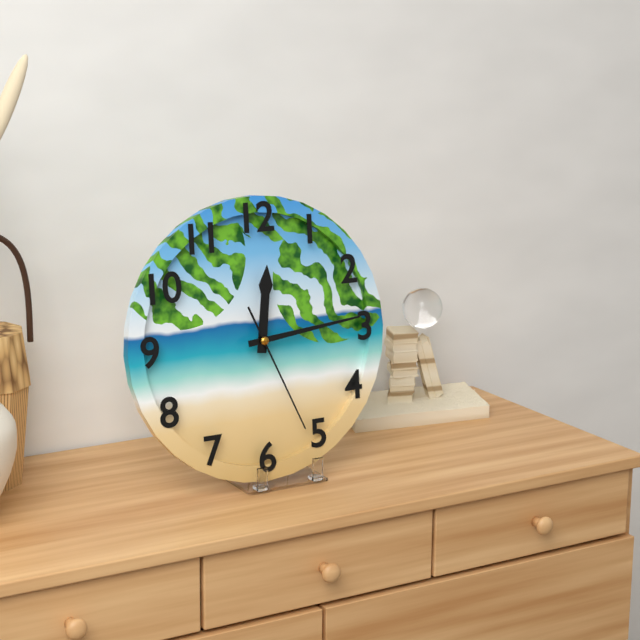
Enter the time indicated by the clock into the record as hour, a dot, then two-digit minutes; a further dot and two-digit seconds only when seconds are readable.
12.14.26
